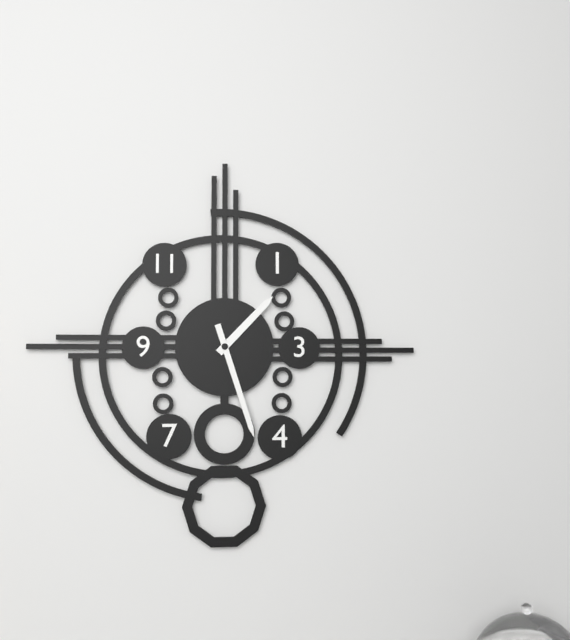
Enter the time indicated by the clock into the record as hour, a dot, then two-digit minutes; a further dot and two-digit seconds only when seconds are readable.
1.27
